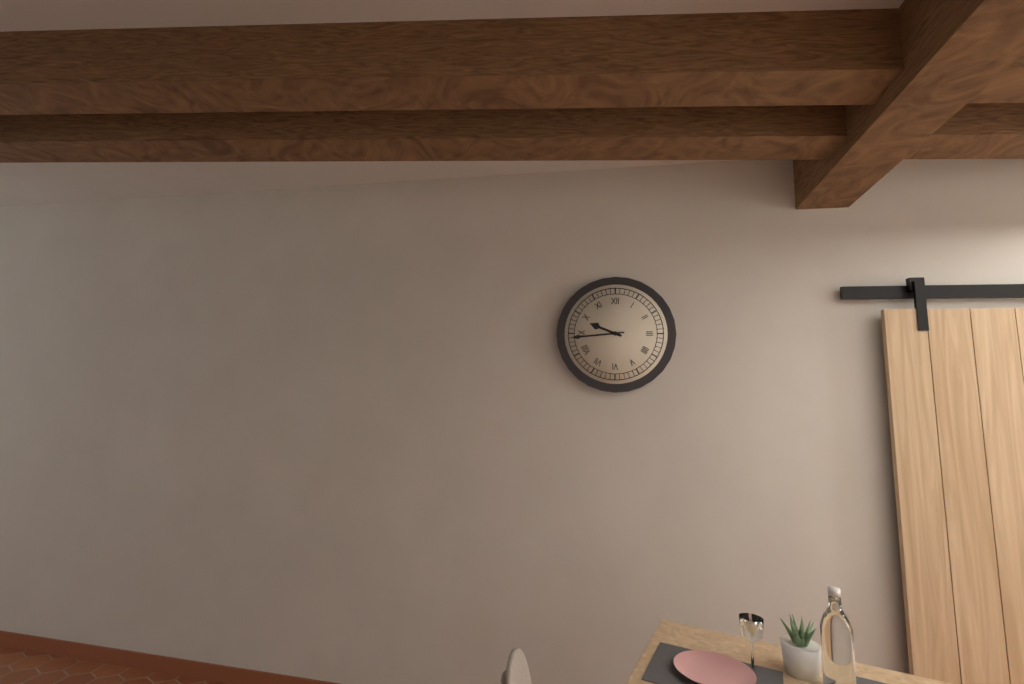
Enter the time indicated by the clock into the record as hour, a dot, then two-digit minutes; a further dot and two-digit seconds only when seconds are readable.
9.44
